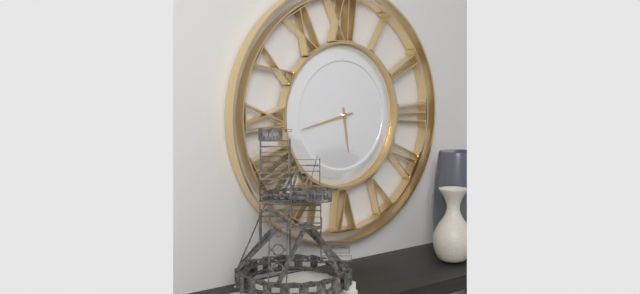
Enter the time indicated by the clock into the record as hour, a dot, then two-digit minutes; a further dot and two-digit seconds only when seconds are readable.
5.43
